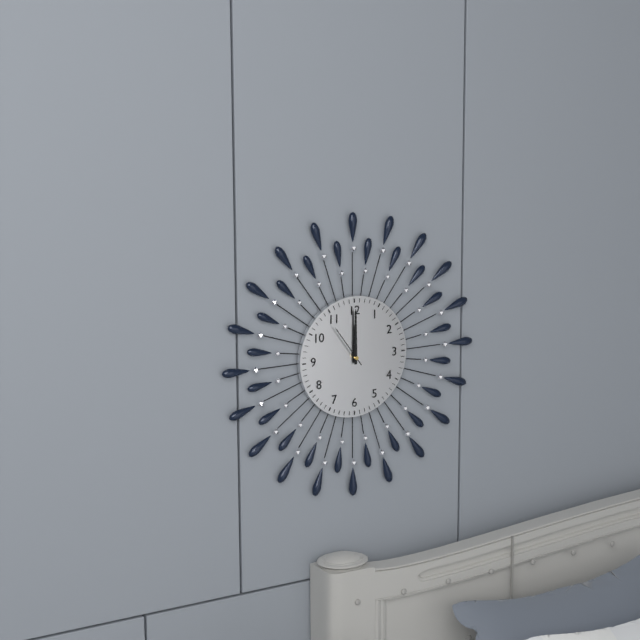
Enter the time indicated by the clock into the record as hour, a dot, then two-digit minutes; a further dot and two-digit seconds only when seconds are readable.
12.00
